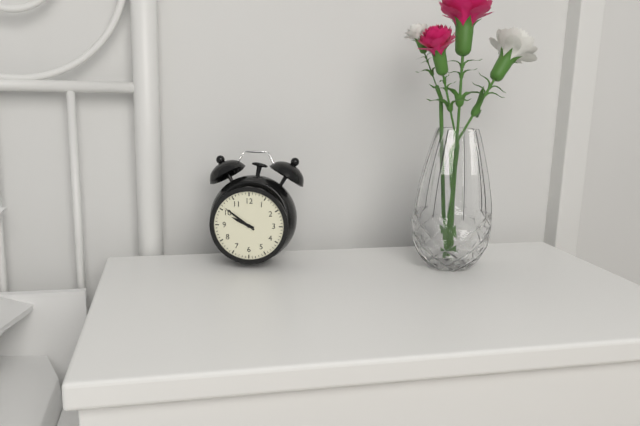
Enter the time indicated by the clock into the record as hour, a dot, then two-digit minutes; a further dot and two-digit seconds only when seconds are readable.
9.51
